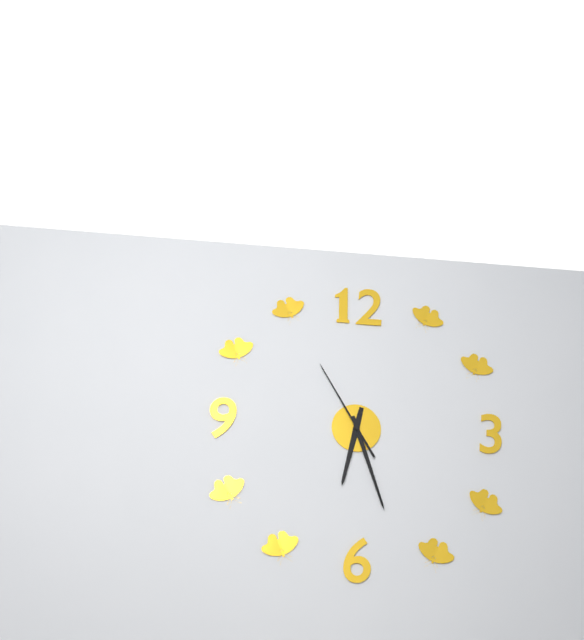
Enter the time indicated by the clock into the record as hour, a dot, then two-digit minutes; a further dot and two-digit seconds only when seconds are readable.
6.27.55
